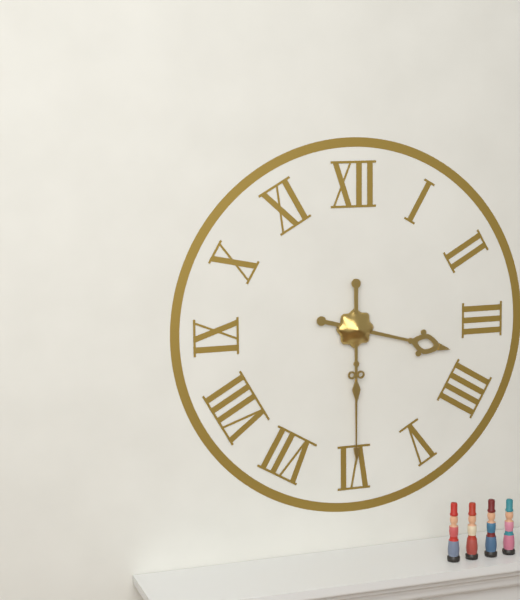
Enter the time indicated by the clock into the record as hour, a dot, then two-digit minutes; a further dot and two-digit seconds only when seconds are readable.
3.30
